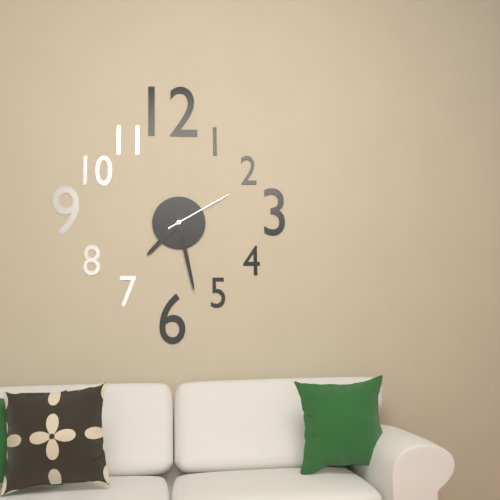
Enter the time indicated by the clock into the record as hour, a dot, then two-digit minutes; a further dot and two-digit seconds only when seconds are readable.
7.28.10
